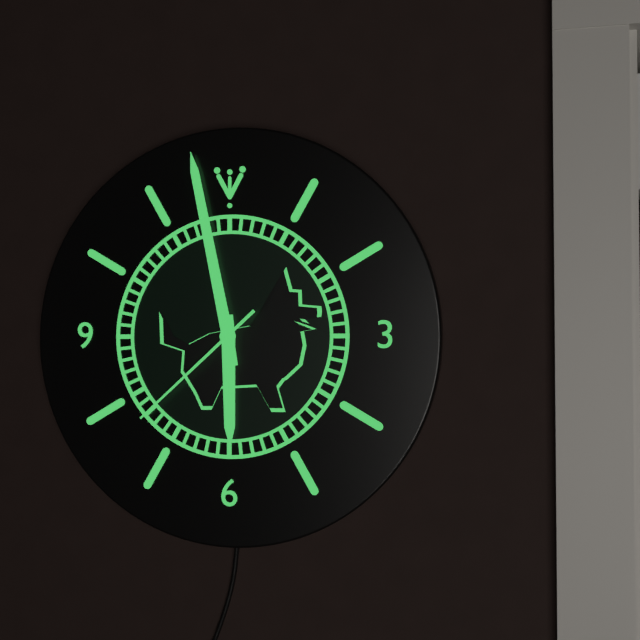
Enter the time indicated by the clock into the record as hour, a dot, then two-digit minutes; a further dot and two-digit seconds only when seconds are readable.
5.58.38
